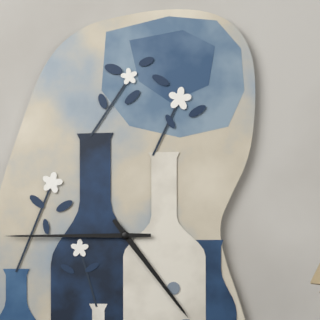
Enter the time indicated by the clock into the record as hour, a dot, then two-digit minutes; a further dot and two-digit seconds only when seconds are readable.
4.45
